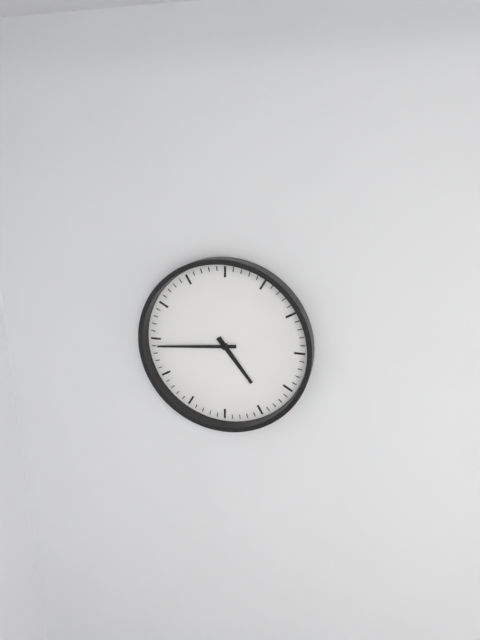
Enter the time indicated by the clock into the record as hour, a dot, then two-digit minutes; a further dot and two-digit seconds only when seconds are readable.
4.44
